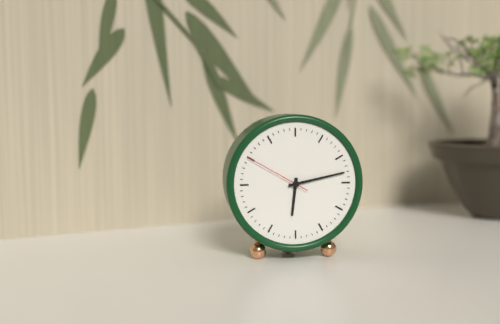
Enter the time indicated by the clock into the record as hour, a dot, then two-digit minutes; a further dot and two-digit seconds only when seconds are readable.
6.13.50
